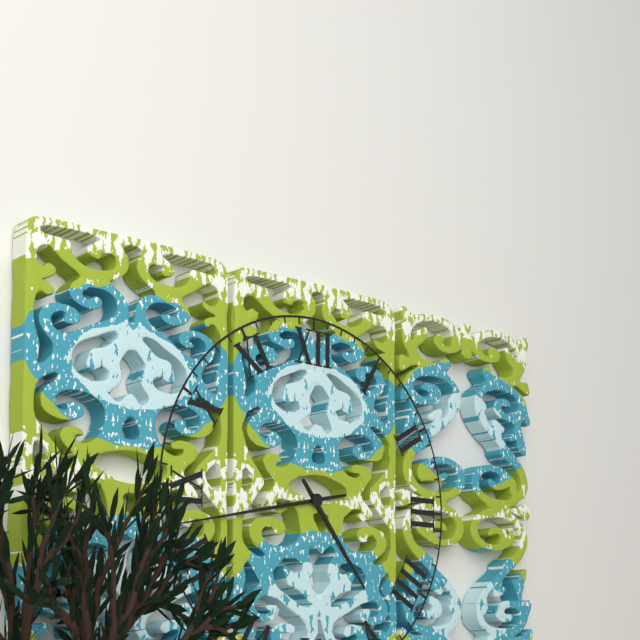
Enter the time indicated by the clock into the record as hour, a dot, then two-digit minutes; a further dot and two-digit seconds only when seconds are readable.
4.43
